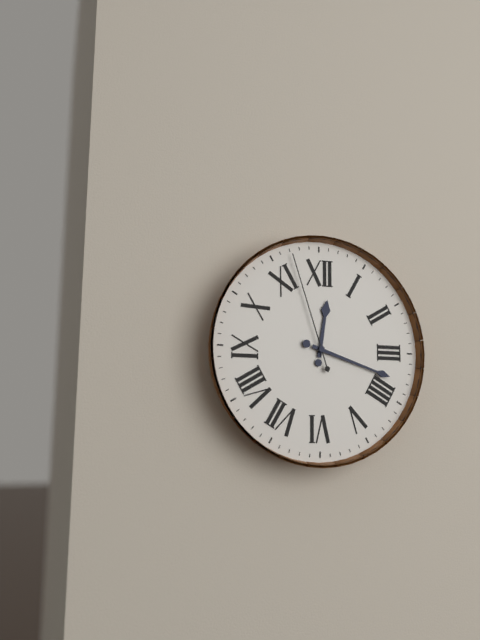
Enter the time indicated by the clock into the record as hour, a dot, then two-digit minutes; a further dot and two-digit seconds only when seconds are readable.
12.18.57
